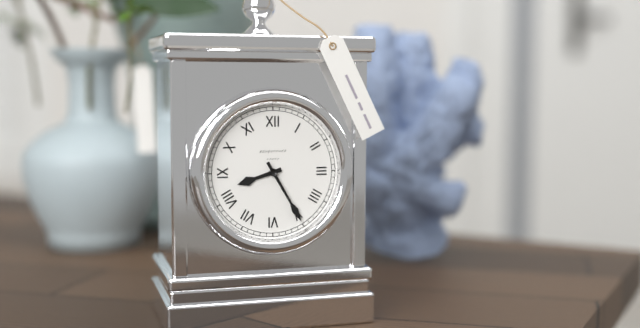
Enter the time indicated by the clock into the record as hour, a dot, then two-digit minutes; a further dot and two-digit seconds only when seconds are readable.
8.25
